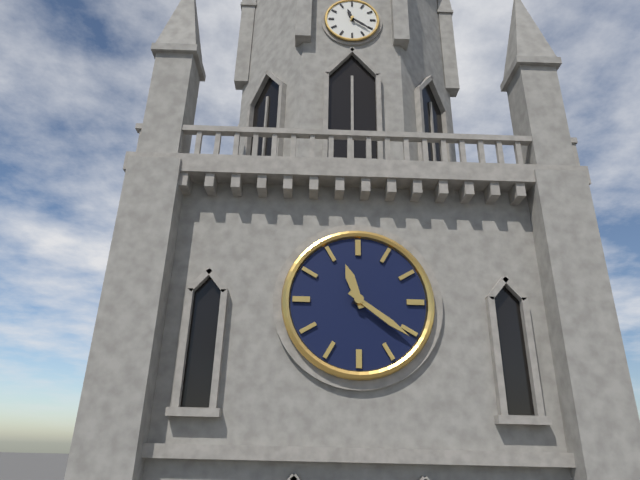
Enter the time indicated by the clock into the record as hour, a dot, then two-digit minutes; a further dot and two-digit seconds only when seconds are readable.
11.21
